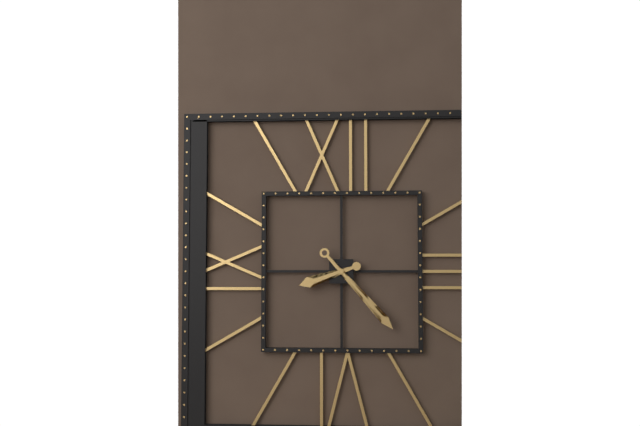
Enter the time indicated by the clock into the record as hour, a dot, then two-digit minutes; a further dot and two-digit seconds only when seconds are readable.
8.23
